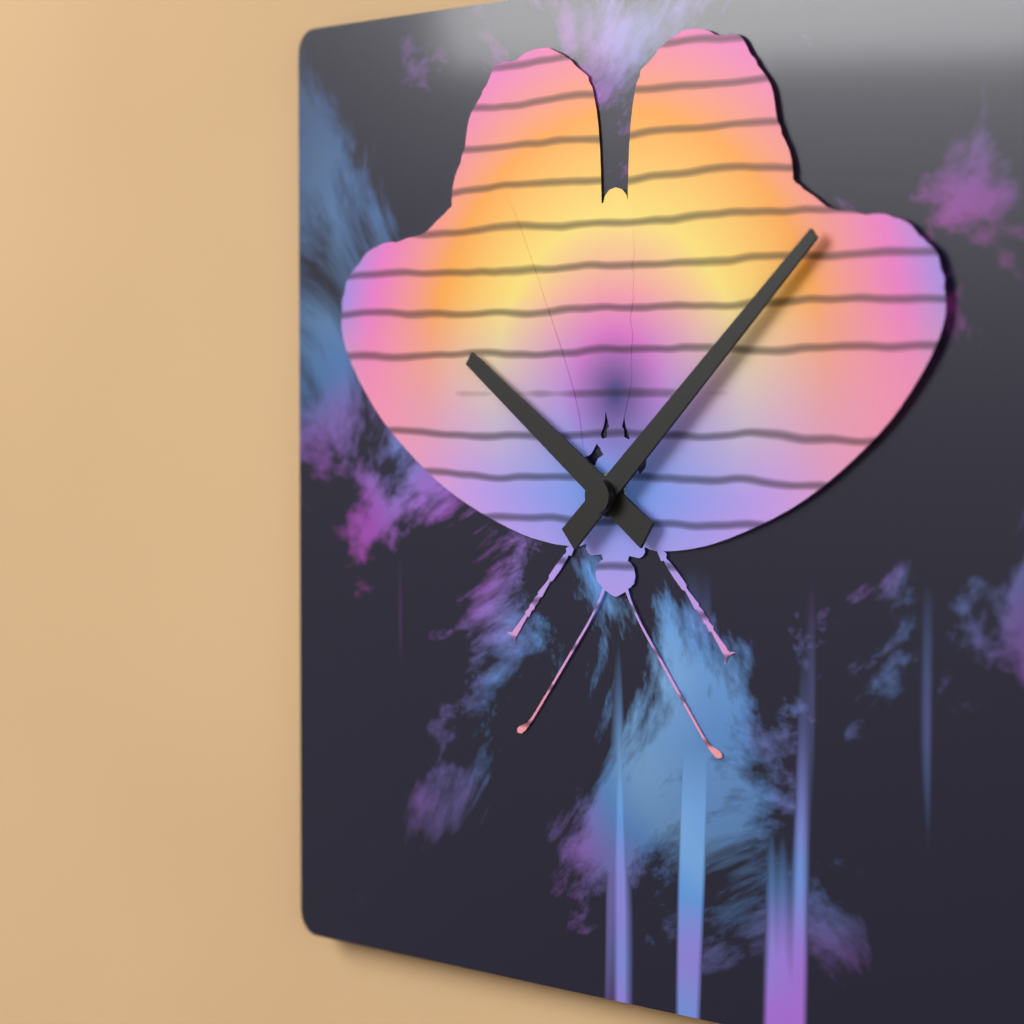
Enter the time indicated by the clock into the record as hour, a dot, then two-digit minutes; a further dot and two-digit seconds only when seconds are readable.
10.08
